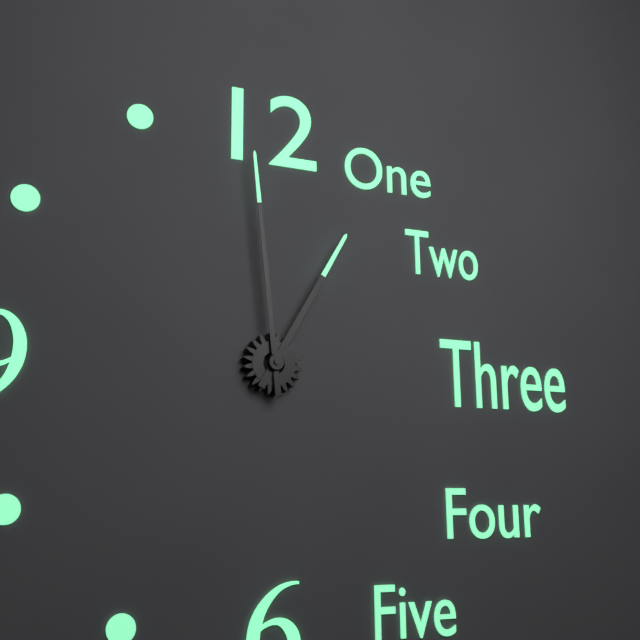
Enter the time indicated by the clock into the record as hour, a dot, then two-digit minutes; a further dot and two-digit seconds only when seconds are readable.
12.59
